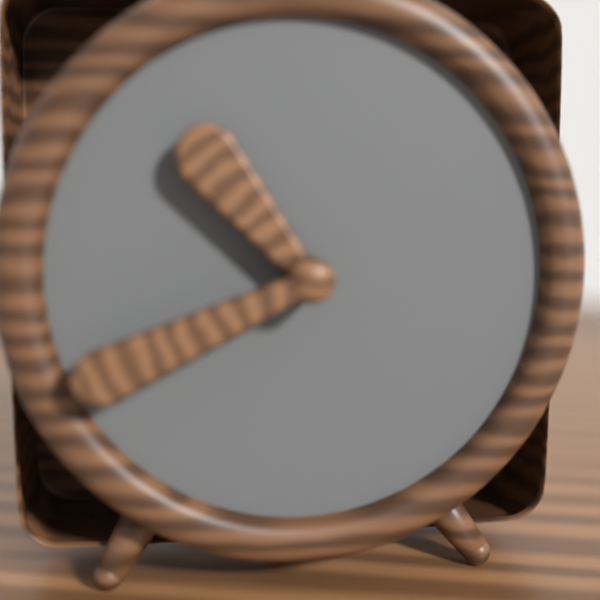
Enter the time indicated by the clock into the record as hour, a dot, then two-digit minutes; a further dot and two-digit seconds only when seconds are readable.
10.41
